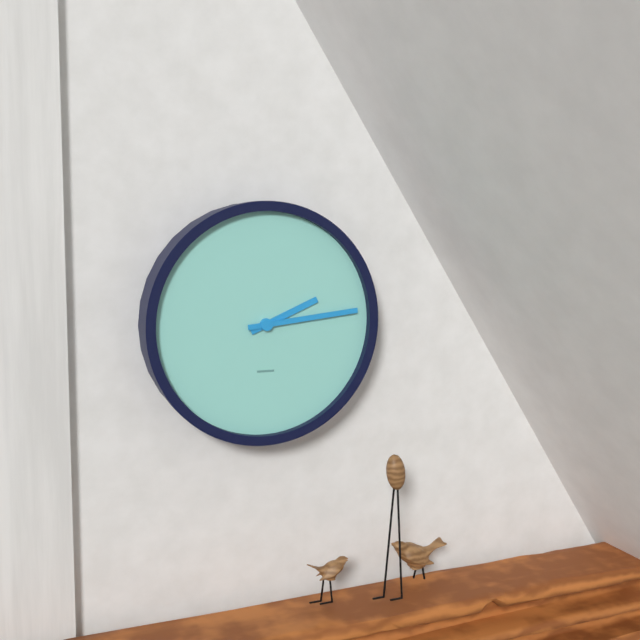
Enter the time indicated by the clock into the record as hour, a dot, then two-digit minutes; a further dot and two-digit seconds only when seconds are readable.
2.14
